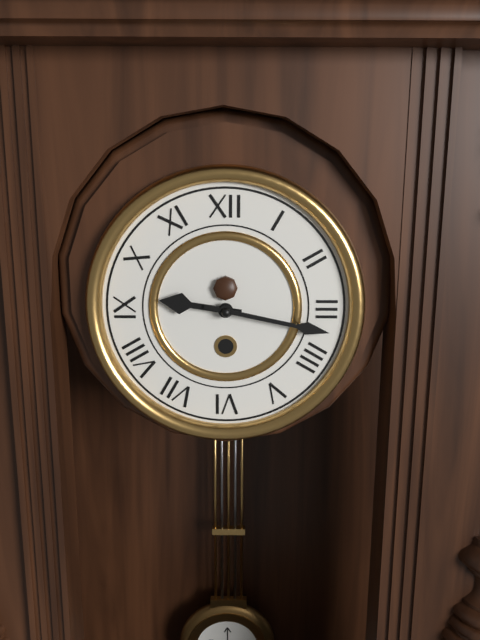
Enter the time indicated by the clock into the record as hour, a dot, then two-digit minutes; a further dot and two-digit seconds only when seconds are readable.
9.17
